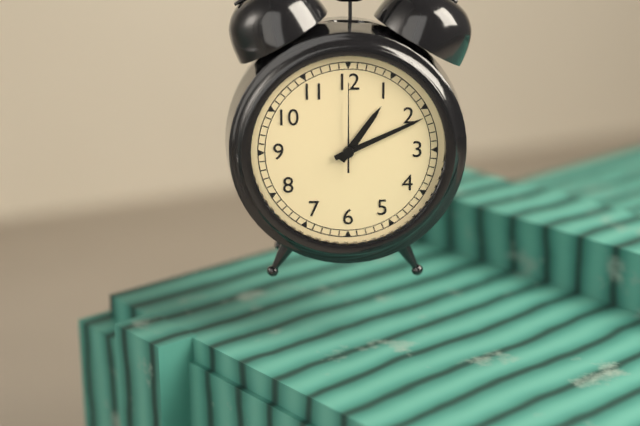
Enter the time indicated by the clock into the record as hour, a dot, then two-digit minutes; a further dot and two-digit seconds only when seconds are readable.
1.11.00
